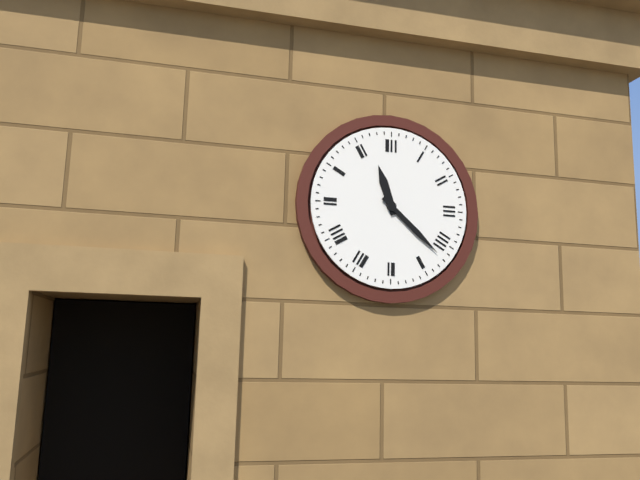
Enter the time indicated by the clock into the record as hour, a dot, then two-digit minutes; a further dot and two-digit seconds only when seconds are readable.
11.22
